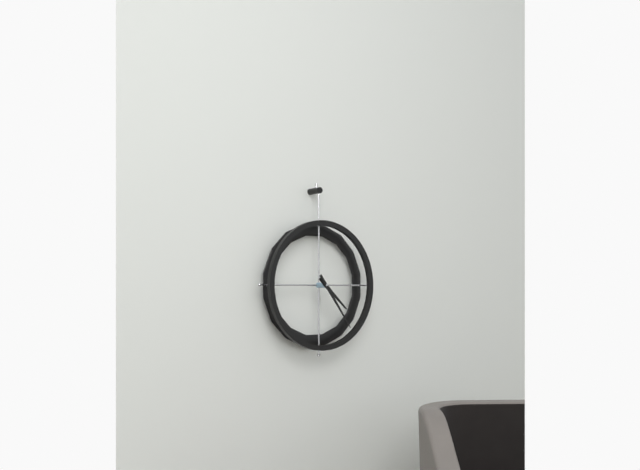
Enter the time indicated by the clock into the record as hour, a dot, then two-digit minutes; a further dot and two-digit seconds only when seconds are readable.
4.24
